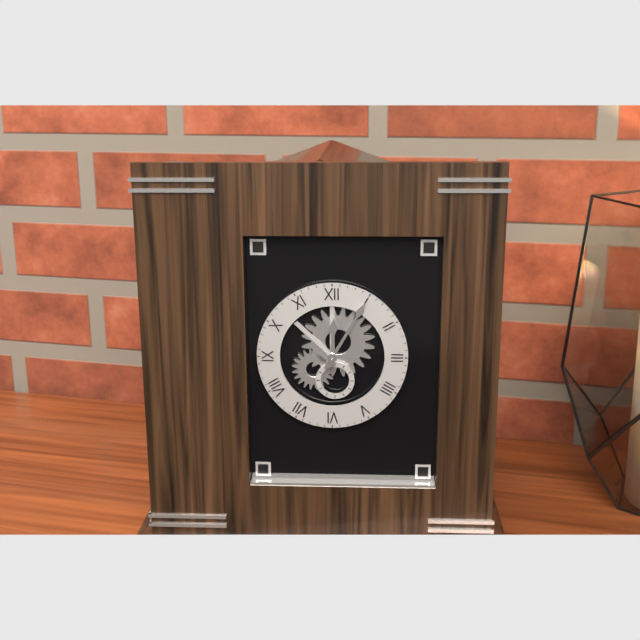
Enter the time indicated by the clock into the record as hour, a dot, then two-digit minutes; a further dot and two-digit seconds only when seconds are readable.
12.05
